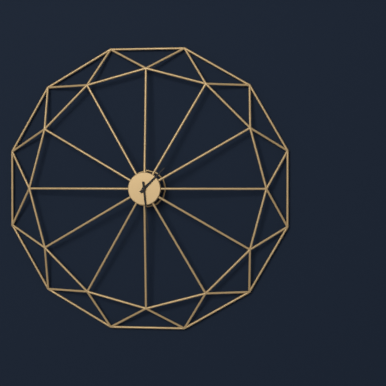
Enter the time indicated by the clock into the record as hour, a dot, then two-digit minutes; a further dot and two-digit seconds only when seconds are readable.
1.29
